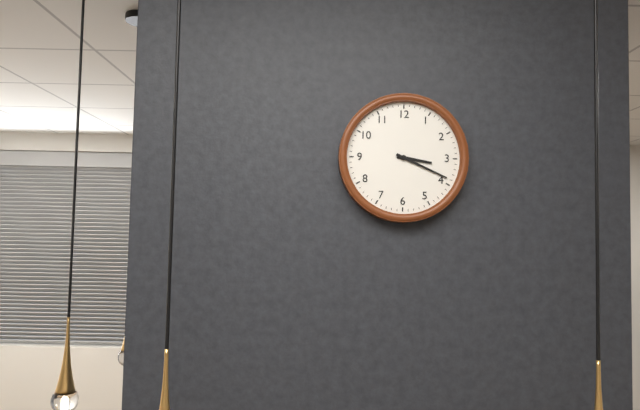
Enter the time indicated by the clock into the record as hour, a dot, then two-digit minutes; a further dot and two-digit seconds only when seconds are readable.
3.19
